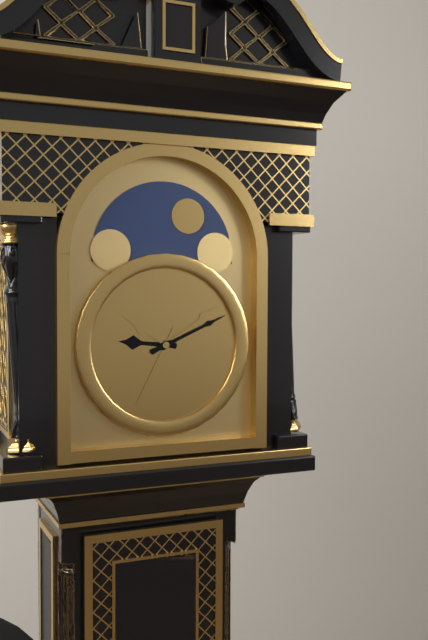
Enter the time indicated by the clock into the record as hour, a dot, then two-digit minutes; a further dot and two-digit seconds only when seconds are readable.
9.11
